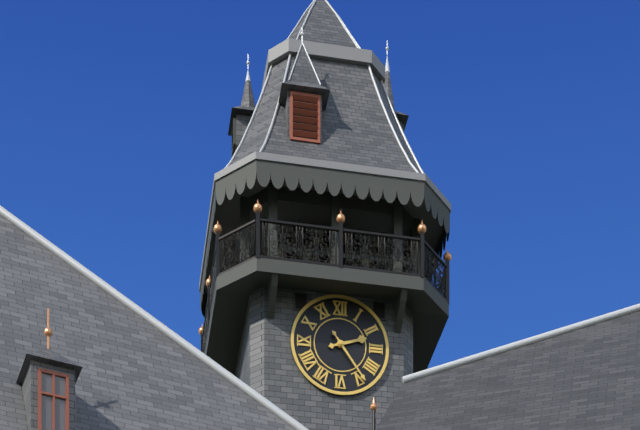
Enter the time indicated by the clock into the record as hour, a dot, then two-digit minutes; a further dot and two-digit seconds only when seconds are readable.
2.24
